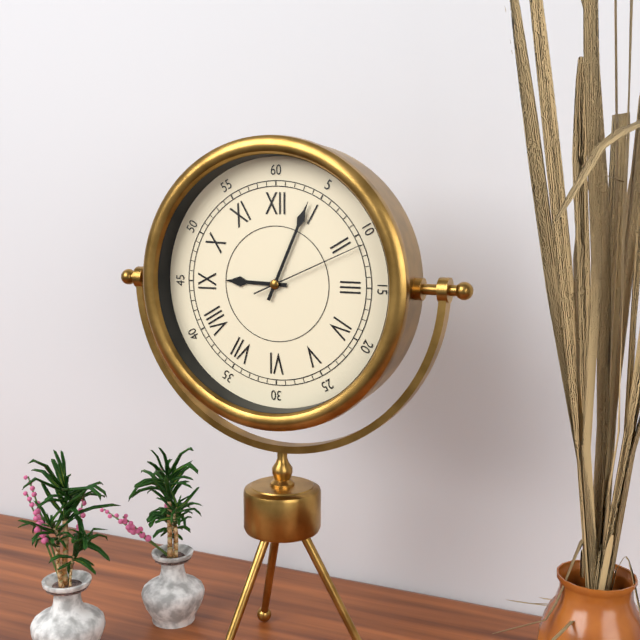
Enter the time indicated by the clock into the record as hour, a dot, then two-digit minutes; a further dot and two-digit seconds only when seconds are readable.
9.04.11
